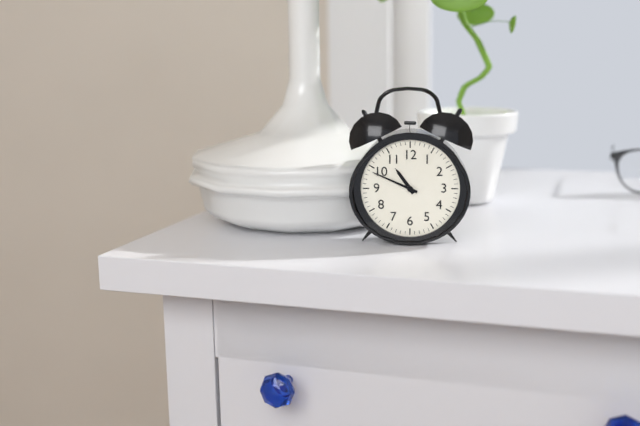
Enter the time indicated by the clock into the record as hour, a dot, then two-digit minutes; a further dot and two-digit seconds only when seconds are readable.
10.49
